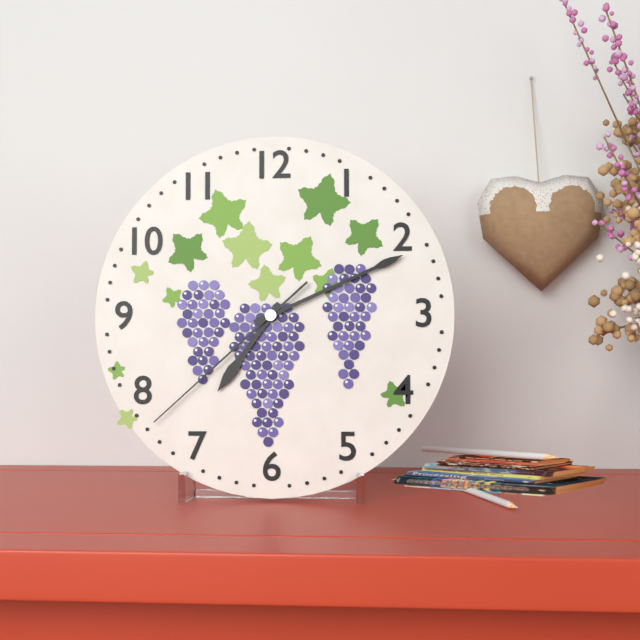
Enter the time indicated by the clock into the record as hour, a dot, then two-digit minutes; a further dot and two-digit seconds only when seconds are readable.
7.11.38
